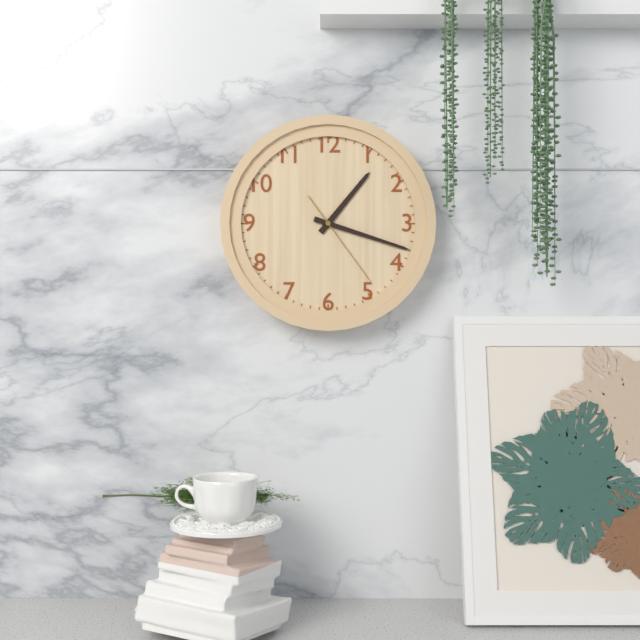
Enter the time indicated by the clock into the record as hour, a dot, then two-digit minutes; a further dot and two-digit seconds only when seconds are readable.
1.18.24
